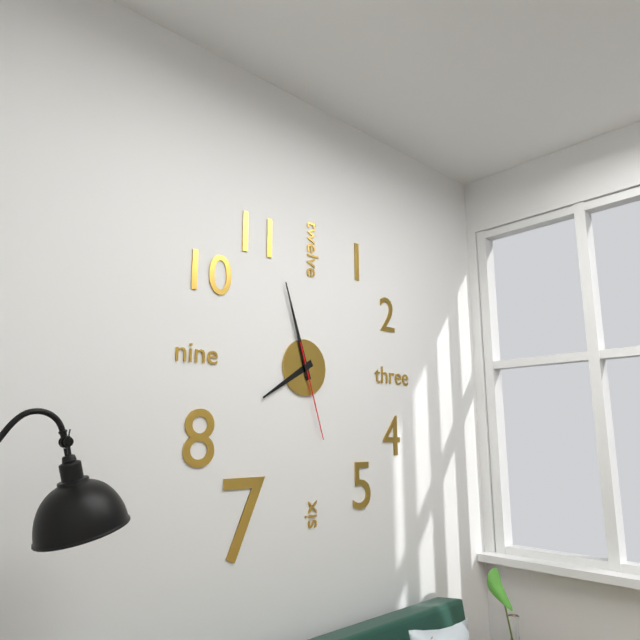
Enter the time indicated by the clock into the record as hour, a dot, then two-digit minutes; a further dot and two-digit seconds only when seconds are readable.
7.57.27
